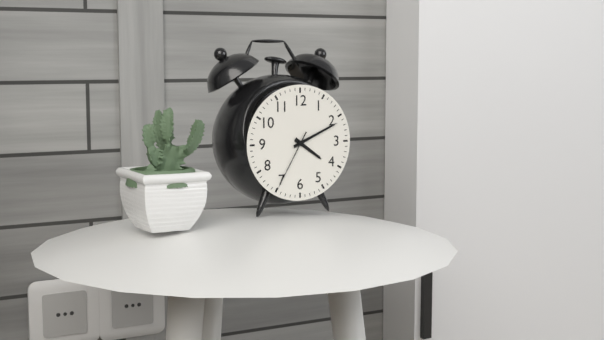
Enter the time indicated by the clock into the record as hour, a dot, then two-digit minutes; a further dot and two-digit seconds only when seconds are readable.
4.11.35
